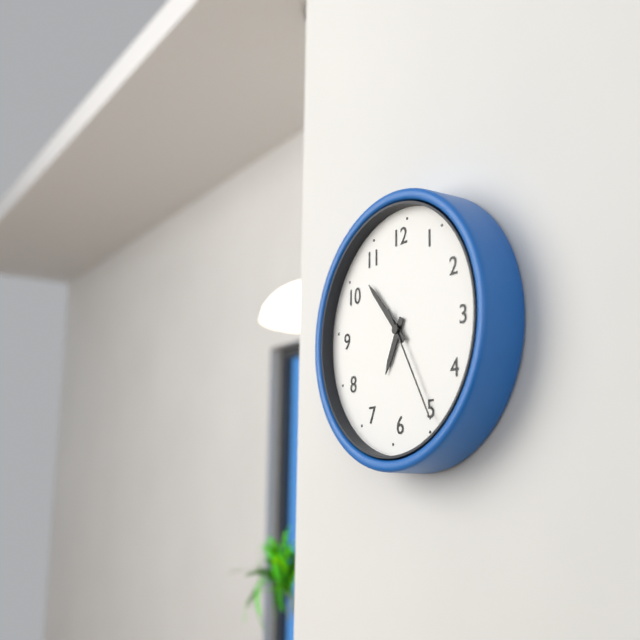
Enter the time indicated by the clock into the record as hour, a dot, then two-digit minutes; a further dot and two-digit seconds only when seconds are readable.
6.53.25
